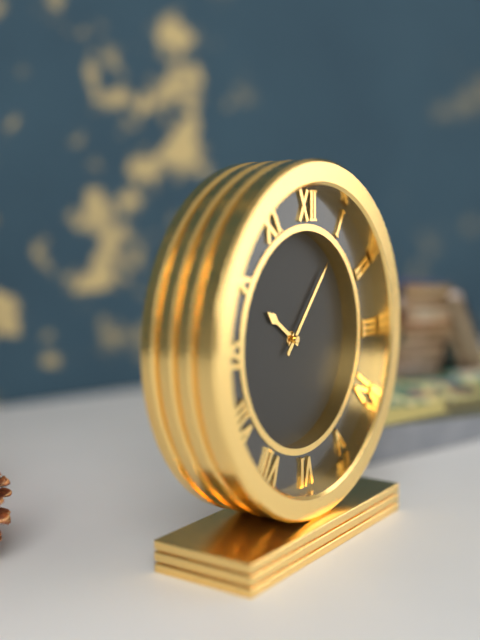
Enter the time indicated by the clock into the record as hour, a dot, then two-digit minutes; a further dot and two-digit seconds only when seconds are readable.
10.07
